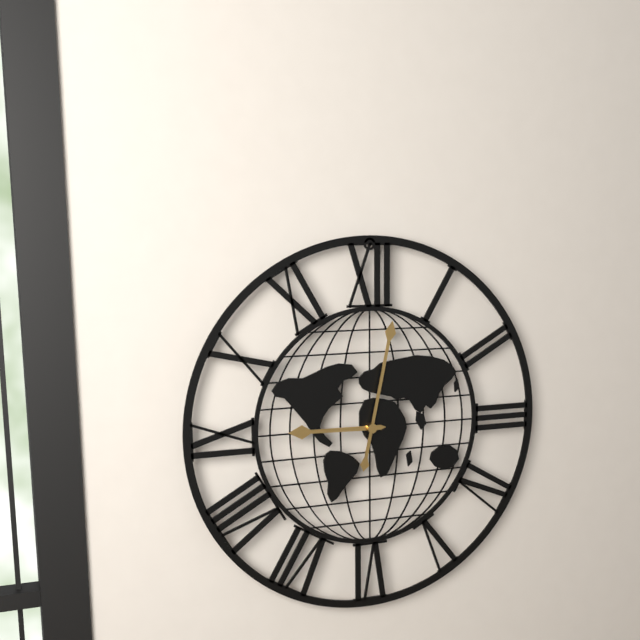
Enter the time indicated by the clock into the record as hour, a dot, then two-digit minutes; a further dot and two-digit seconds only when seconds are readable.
9.02
